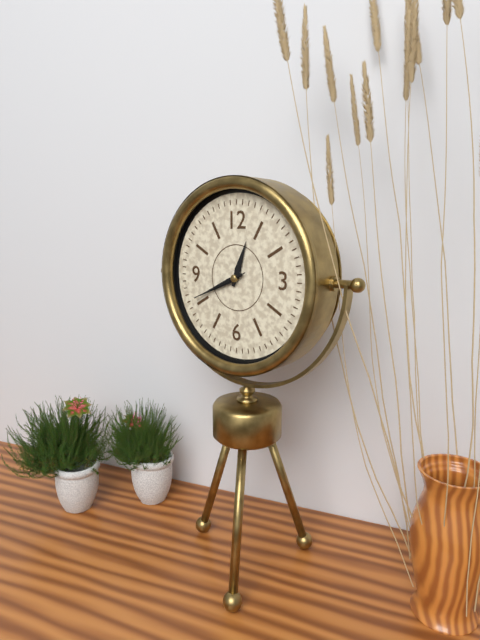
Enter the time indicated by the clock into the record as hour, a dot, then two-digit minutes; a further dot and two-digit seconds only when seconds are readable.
12.41.41
